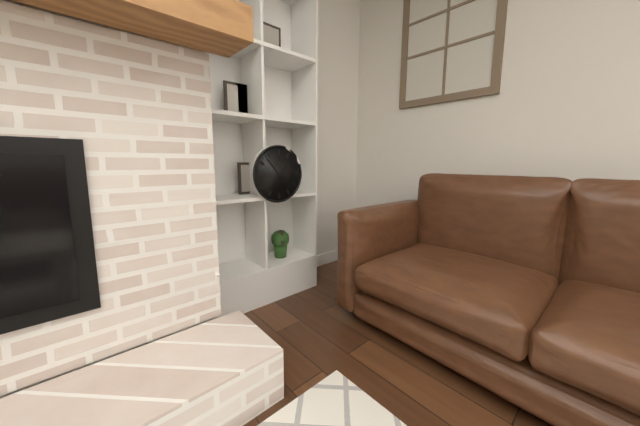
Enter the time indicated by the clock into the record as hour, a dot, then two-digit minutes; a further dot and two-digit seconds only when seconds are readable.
1.53
